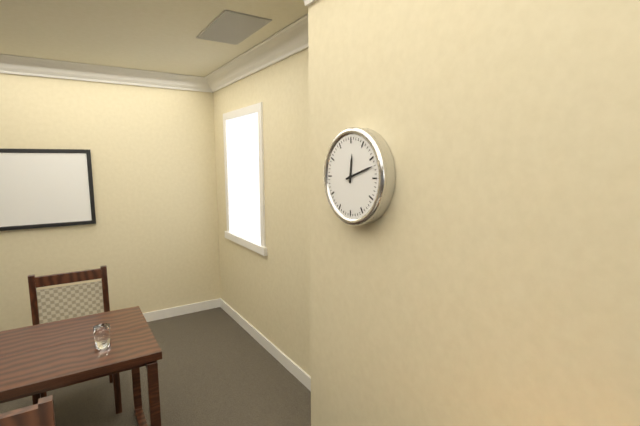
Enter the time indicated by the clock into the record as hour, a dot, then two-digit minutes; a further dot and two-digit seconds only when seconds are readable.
12.12
